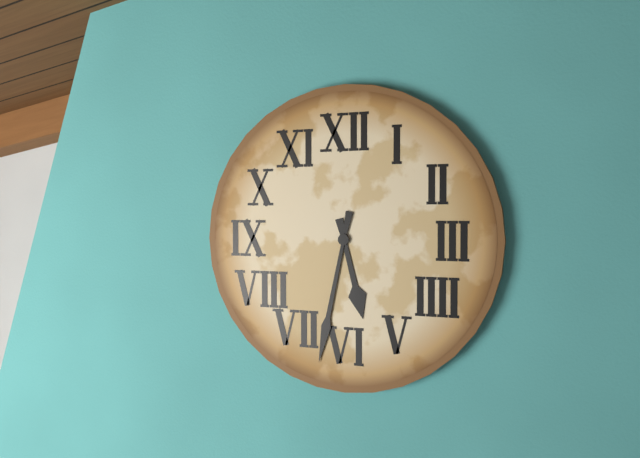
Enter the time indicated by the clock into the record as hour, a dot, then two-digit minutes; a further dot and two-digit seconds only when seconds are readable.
5.32
